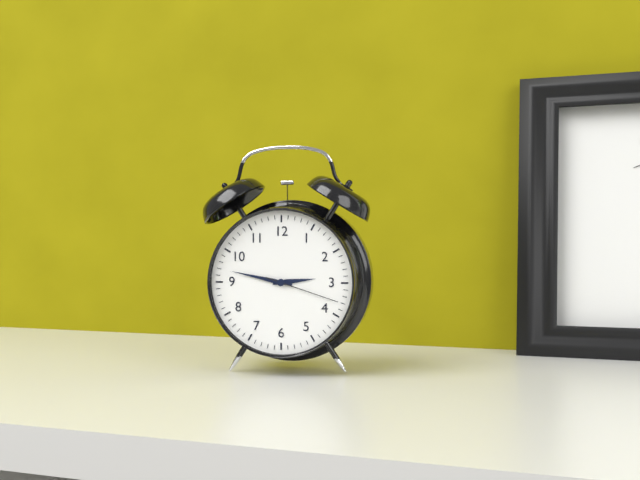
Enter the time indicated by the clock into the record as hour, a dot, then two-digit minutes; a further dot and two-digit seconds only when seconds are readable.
2.47.18
